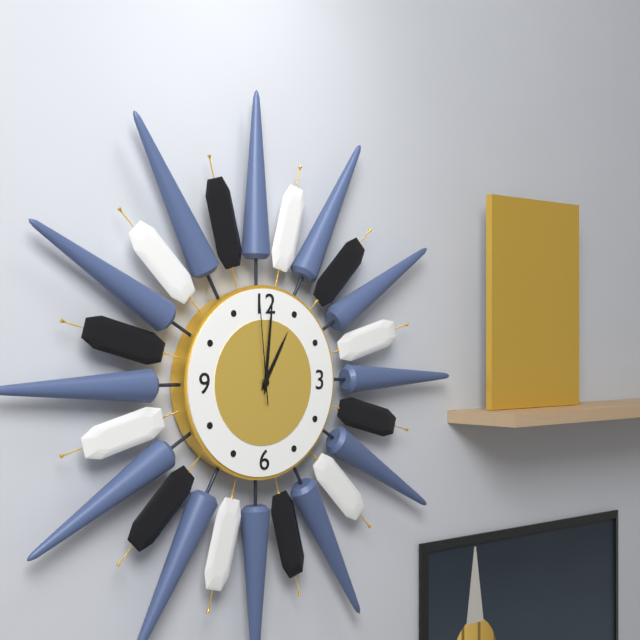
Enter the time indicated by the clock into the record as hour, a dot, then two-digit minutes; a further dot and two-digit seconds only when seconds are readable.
1.01.59
